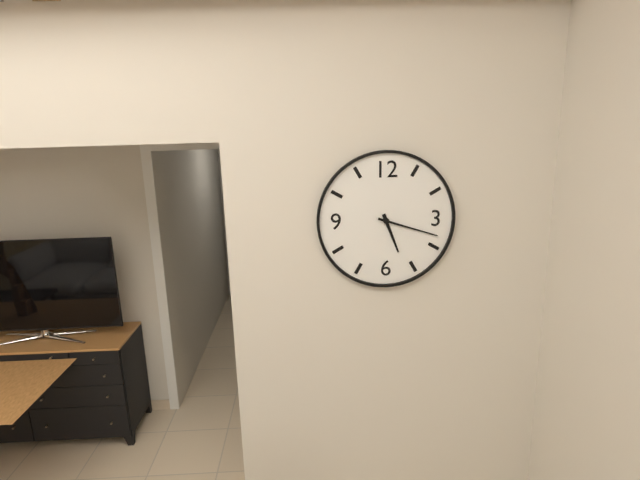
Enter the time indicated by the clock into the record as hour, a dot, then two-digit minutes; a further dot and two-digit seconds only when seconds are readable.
5.18
